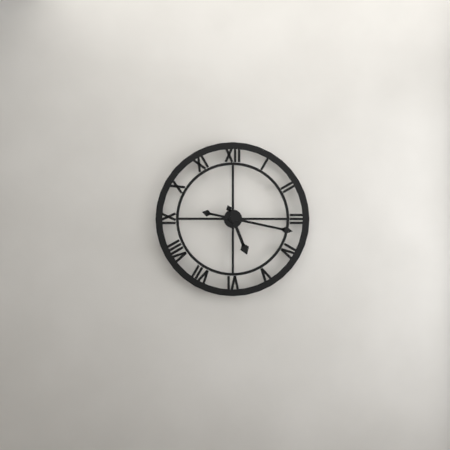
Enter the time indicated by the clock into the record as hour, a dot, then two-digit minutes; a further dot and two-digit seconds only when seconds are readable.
5.17
